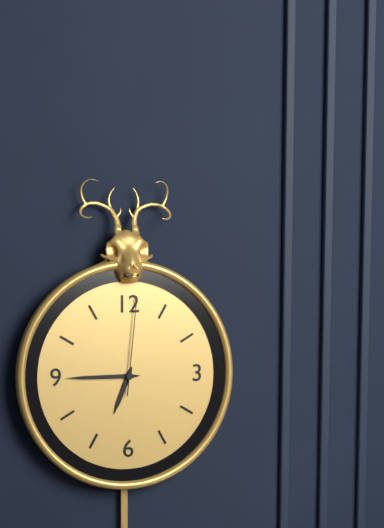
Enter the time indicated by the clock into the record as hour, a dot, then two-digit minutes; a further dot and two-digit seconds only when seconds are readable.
6.45.01
